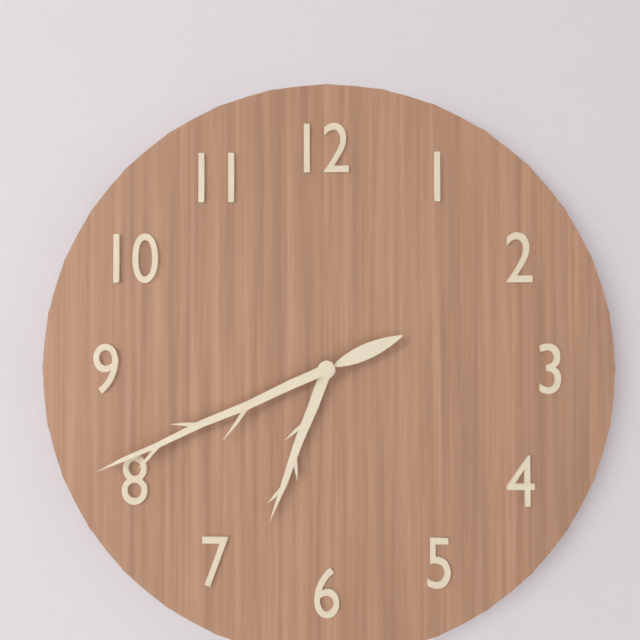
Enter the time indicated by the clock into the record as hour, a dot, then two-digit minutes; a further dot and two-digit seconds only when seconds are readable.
6.41
